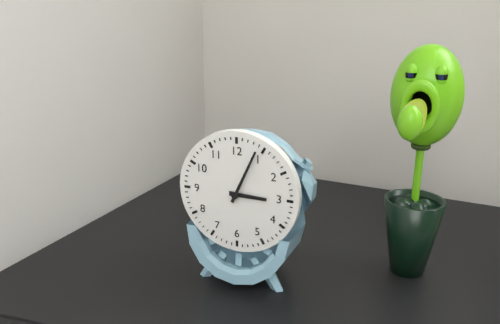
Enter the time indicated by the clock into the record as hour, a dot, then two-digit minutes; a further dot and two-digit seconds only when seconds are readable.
3.04
